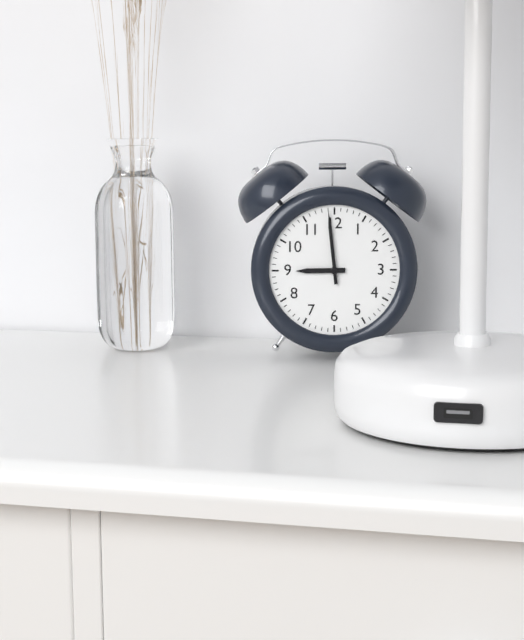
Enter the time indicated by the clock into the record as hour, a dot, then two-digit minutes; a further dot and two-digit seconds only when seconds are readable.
8.59
